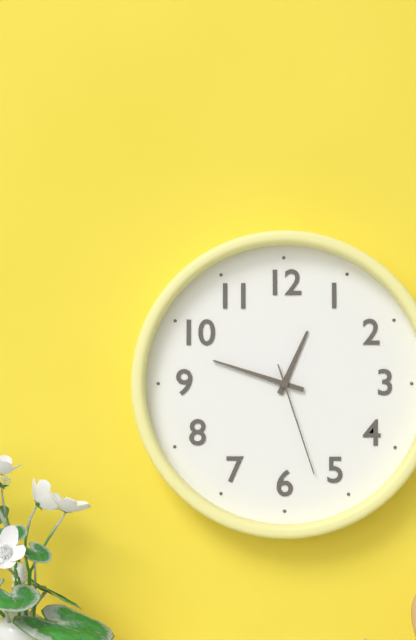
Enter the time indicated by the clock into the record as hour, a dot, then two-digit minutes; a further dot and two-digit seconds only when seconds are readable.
12.48.27
